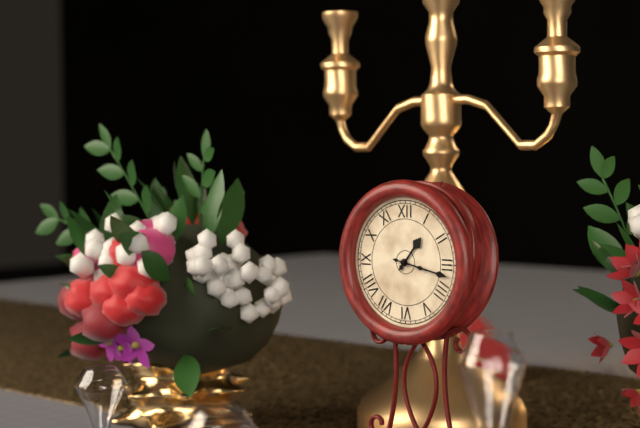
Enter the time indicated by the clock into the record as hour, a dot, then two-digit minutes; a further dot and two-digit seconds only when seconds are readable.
1.17
